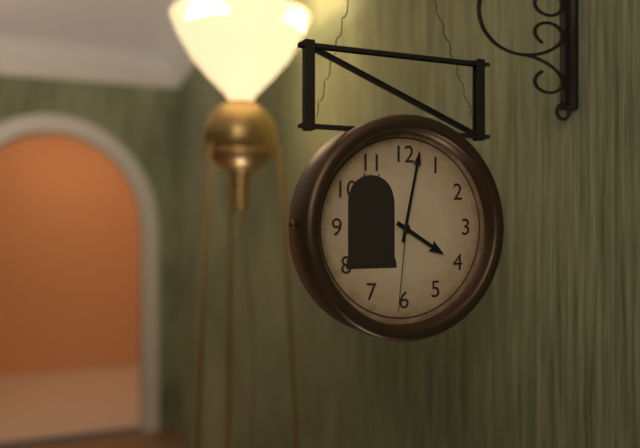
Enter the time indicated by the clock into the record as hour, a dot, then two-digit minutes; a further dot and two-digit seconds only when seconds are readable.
4.02.31
